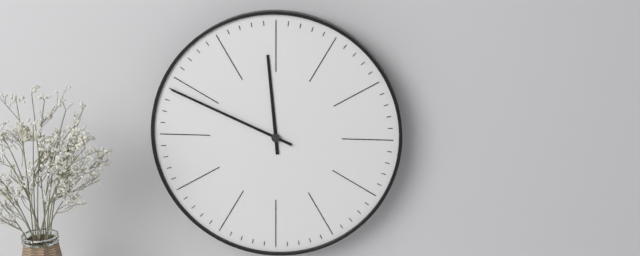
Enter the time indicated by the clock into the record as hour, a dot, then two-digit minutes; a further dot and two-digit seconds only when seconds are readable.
11.49
